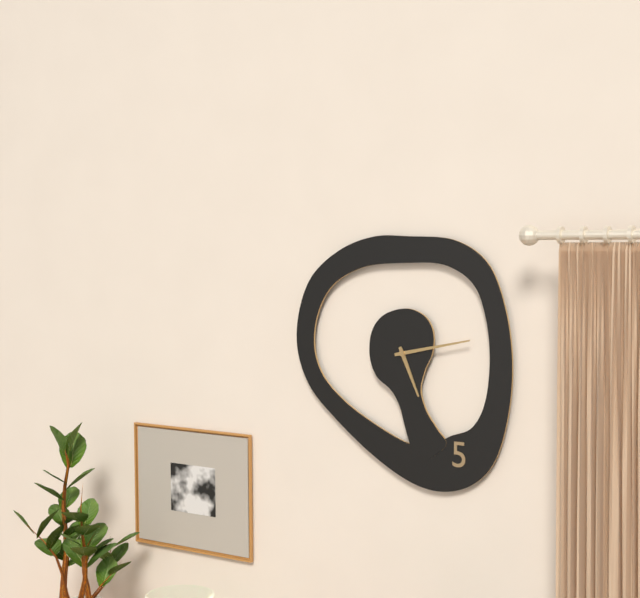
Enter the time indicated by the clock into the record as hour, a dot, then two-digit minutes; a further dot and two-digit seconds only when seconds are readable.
5.13
